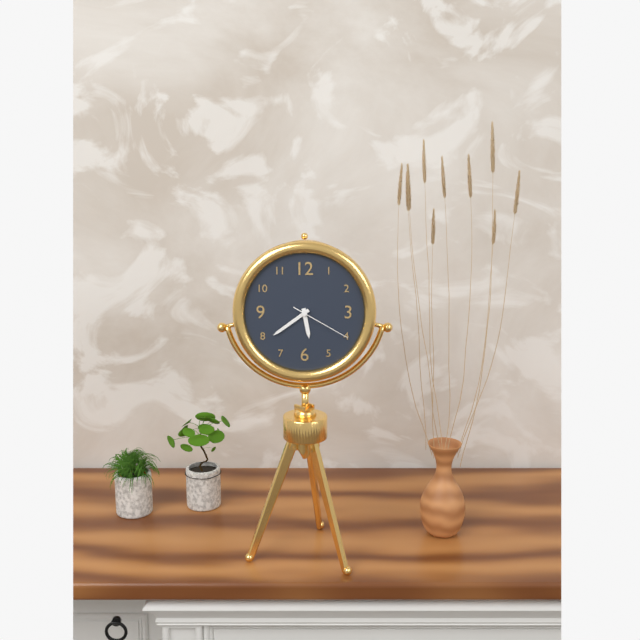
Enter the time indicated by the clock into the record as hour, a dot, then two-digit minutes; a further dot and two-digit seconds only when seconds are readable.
5.39.20
